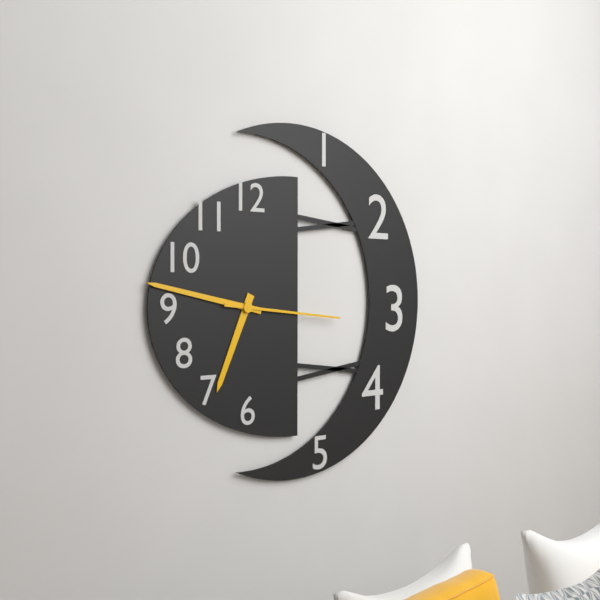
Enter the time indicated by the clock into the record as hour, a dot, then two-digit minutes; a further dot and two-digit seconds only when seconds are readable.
6.47.16
